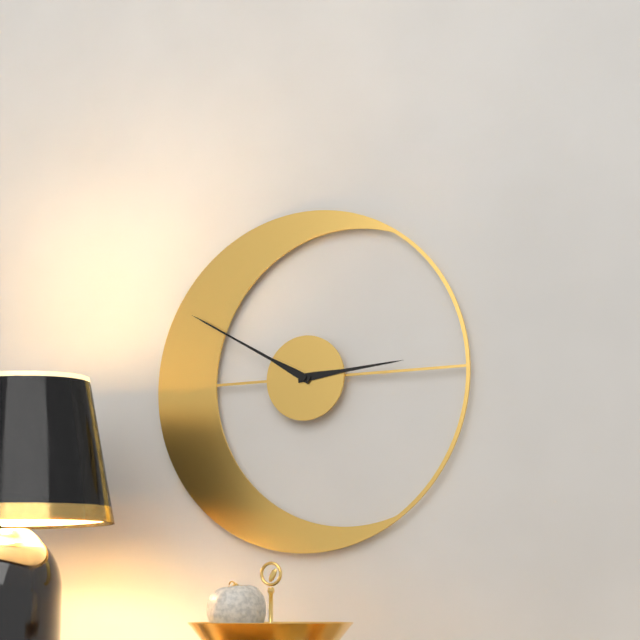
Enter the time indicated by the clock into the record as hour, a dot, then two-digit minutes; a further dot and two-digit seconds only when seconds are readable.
2.50
